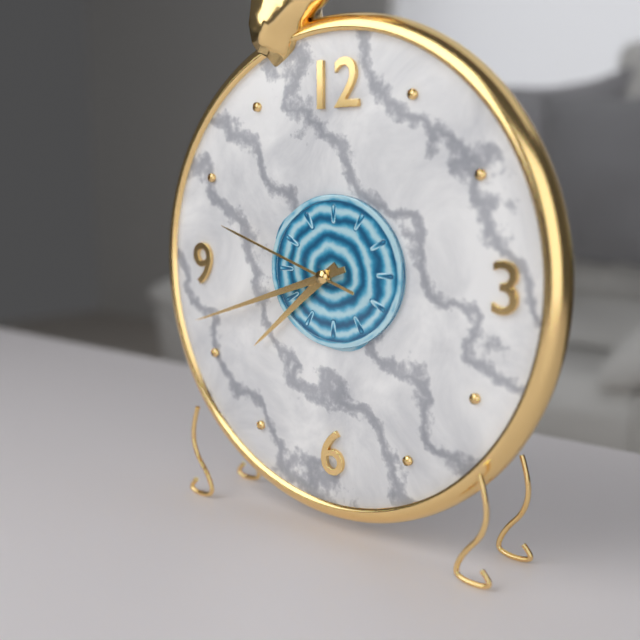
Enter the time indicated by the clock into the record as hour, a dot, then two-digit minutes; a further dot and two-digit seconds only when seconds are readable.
7.42.48
